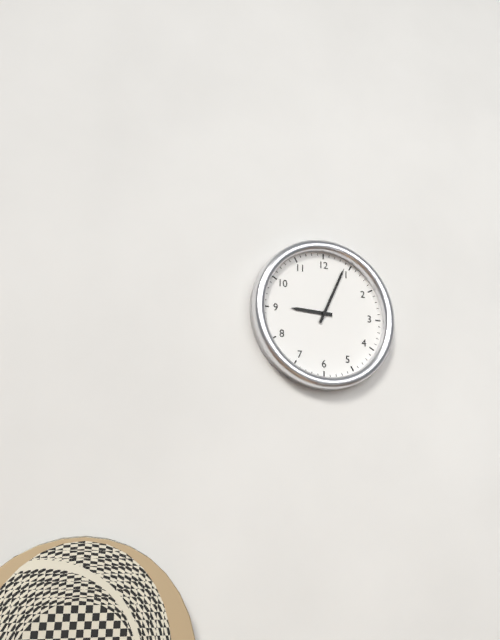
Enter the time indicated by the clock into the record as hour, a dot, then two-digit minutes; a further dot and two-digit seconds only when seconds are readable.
9.04
